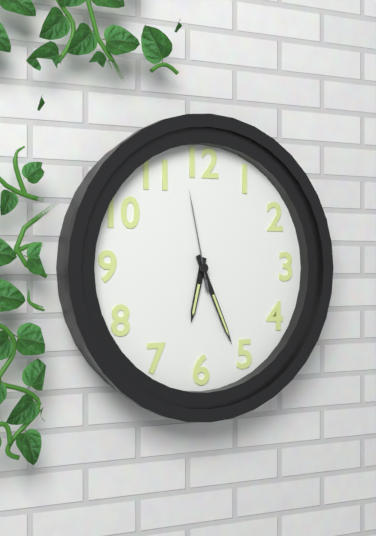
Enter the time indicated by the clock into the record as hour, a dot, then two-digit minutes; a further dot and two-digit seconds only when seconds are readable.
6.26.58
